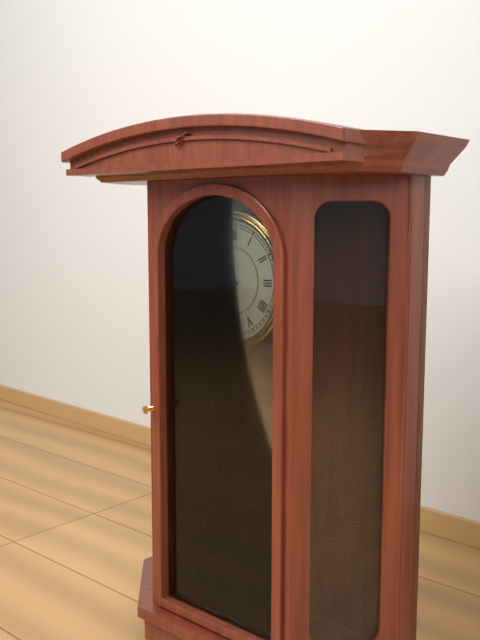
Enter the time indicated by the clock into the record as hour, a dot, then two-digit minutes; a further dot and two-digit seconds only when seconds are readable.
9.33
